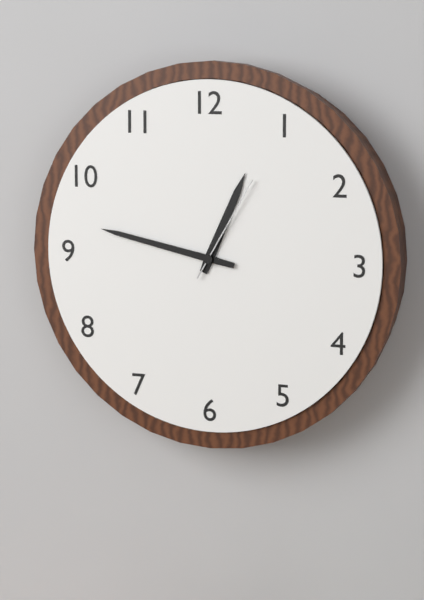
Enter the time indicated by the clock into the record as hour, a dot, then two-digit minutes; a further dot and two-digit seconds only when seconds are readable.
12.47.05
